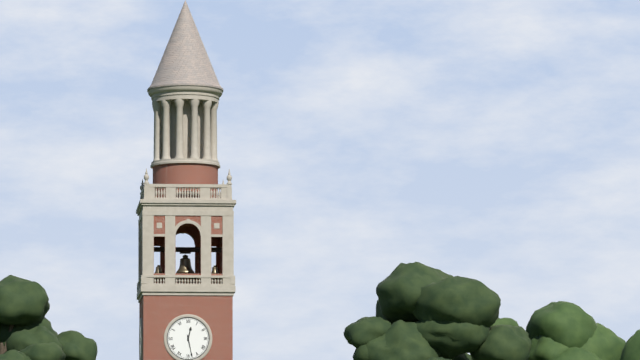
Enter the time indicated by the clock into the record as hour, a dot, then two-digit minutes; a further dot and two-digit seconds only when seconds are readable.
12.28
